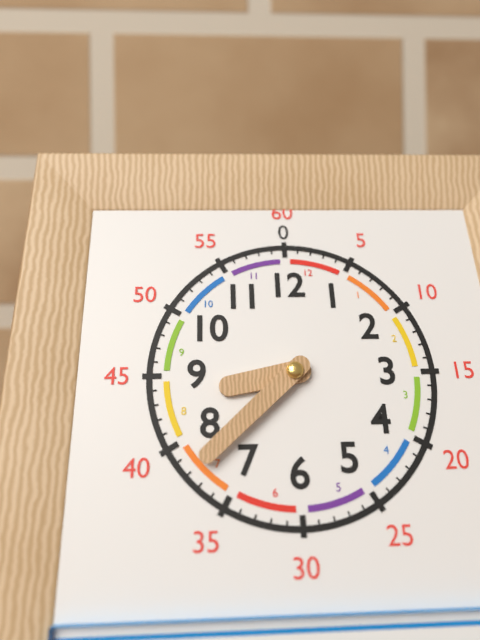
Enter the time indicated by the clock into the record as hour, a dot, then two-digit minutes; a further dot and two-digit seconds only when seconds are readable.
8.38
